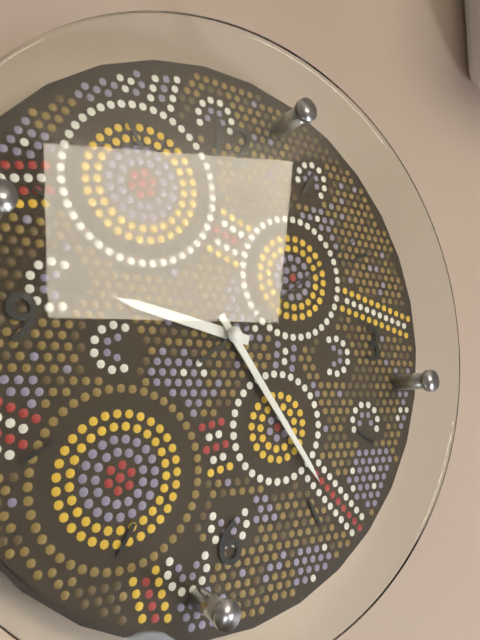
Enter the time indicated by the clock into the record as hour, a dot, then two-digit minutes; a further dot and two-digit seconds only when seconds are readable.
9.24.09
